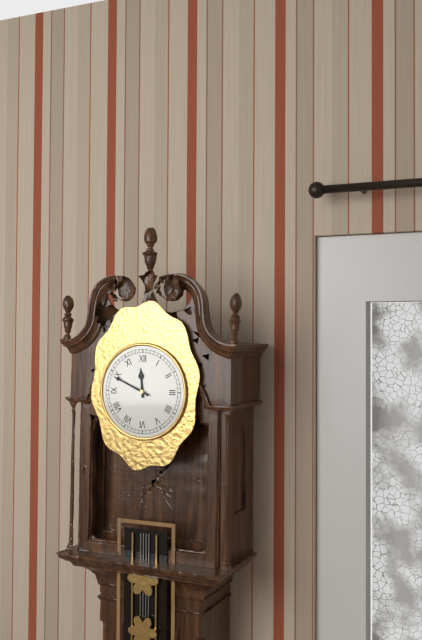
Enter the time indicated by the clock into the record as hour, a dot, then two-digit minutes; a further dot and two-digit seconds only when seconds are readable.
11.49
